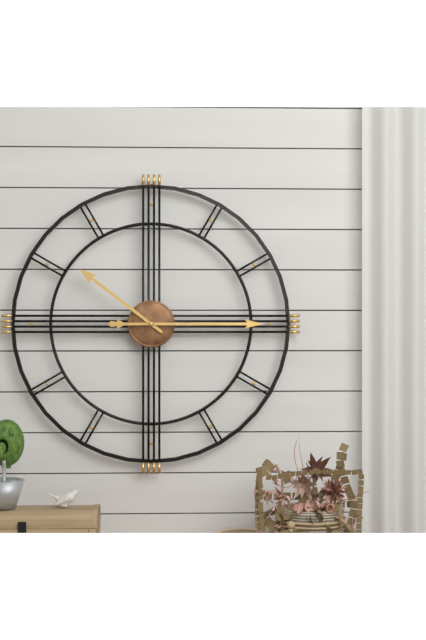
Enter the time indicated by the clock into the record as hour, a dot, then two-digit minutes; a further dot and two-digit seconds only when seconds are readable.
10.15
